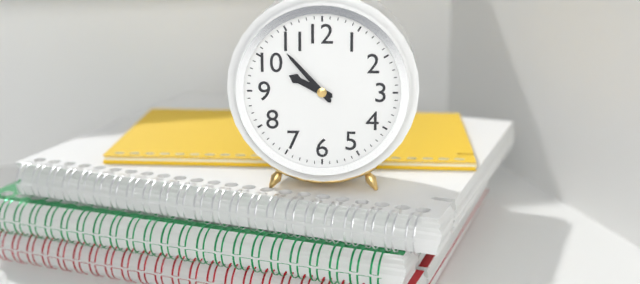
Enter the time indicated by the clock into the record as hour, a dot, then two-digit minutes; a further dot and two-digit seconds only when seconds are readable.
9.53
